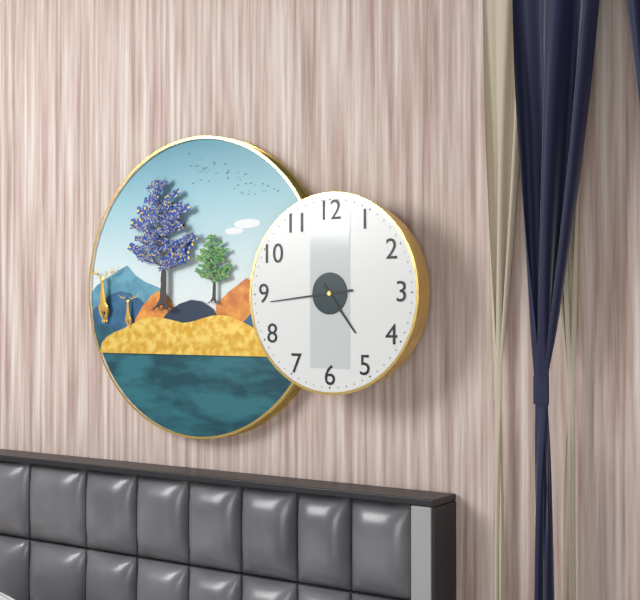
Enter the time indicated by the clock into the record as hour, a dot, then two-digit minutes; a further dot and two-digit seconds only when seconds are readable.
4.44
